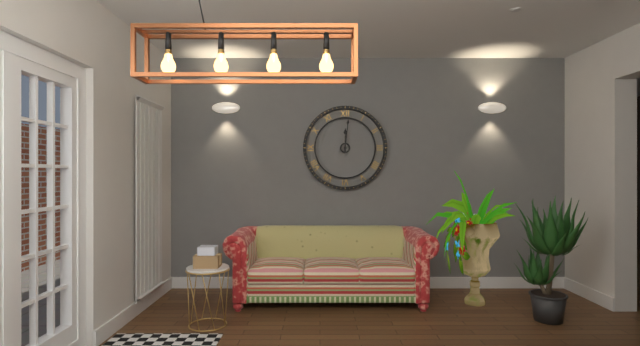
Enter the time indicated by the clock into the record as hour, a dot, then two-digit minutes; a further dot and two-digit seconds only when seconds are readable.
12.01
